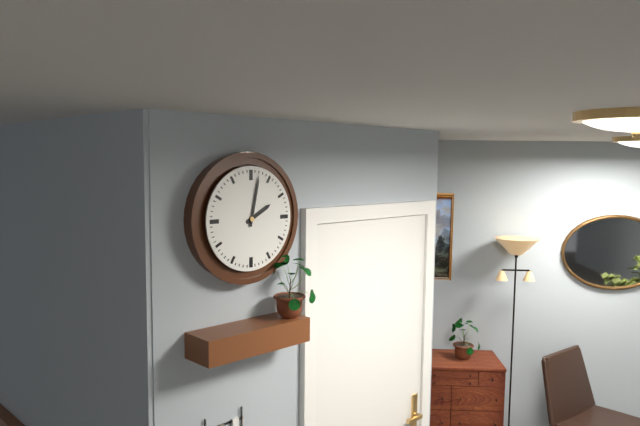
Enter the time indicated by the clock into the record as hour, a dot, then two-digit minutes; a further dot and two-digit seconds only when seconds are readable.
2.02
